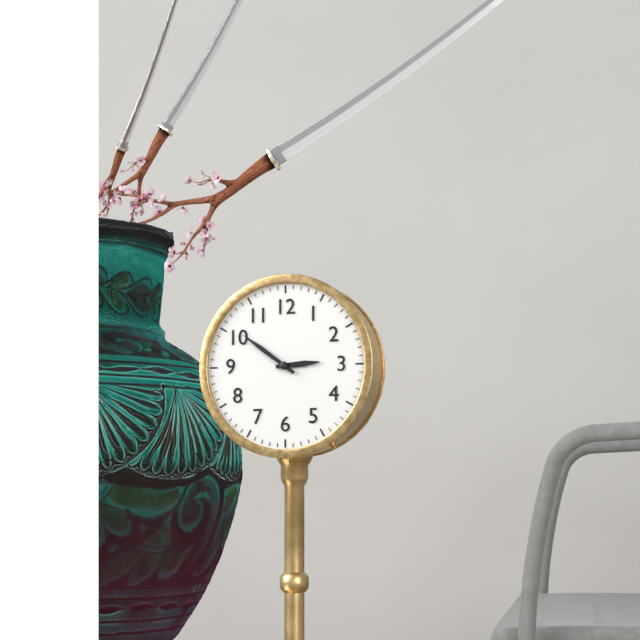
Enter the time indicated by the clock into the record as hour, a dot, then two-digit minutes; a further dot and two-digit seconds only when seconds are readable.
2.51
